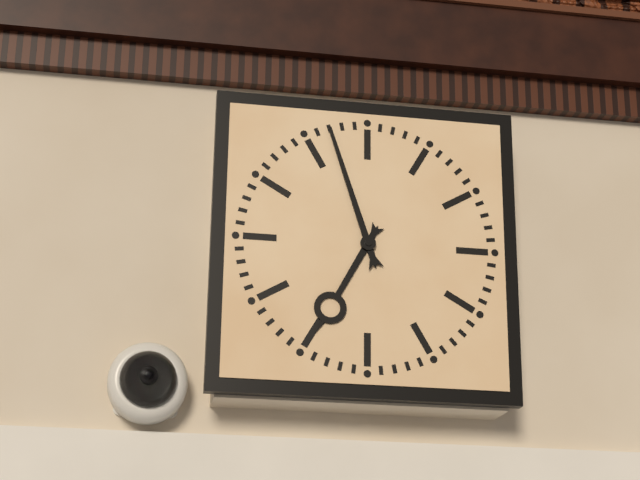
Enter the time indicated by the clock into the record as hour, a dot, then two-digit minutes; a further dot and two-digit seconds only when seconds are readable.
6.57
